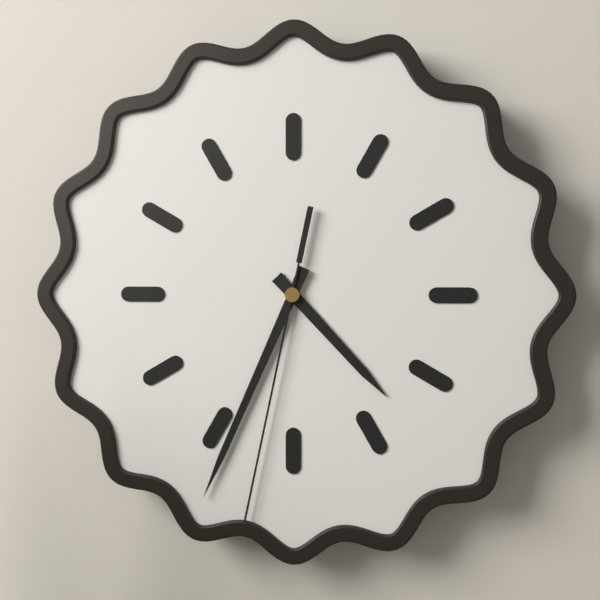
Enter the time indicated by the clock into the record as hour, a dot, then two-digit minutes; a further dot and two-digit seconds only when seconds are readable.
4.34.32
